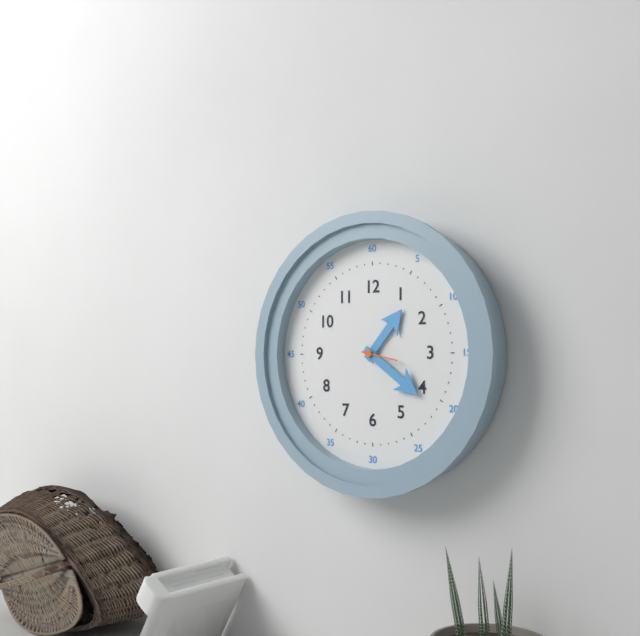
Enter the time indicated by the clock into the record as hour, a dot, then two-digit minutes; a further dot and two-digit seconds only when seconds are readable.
1.21
